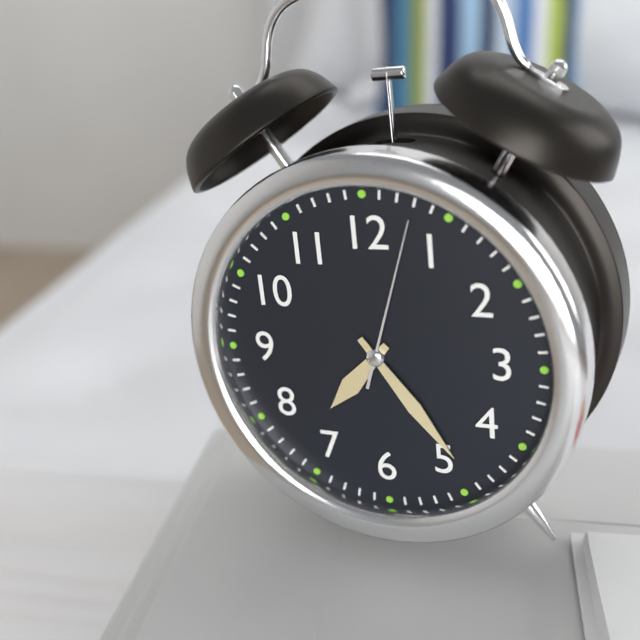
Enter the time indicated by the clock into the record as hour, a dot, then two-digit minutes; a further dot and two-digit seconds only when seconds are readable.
7.24.03
